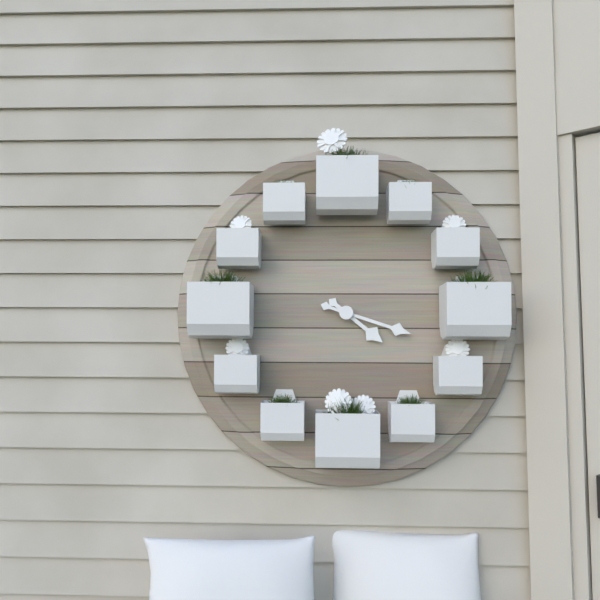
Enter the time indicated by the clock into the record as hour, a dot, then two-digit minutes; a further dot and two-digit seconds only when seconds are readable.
4.18
